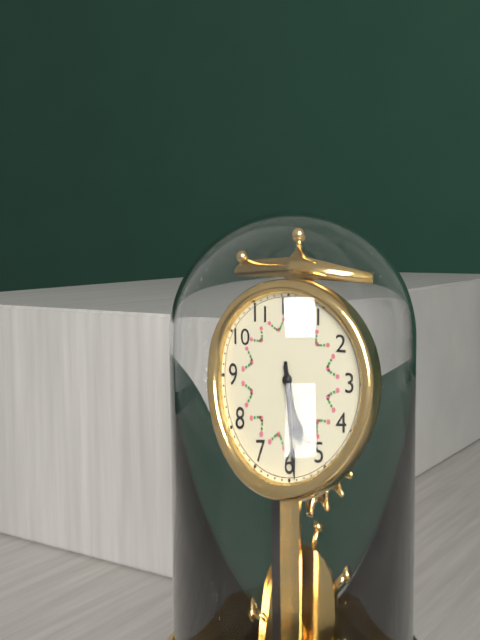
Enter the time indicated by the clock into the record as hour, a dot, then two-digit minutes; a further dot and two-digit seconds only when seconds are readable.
5.29
